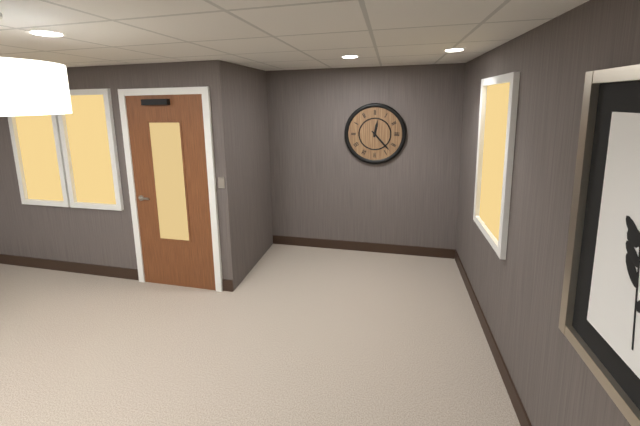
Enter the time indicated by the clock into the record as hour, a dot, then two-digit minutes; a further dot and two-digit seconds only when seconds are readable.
12.23
